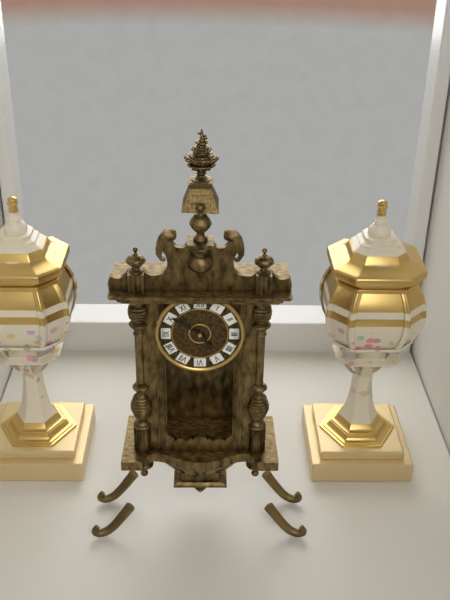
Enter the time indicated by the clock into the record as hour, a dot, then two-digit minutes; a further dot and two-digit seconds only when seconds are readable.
4.51
